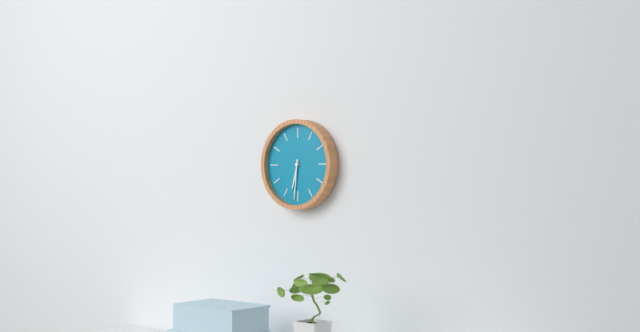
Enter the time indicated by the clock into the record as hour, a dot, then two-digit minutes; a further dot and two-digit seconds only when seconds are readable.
6.31
